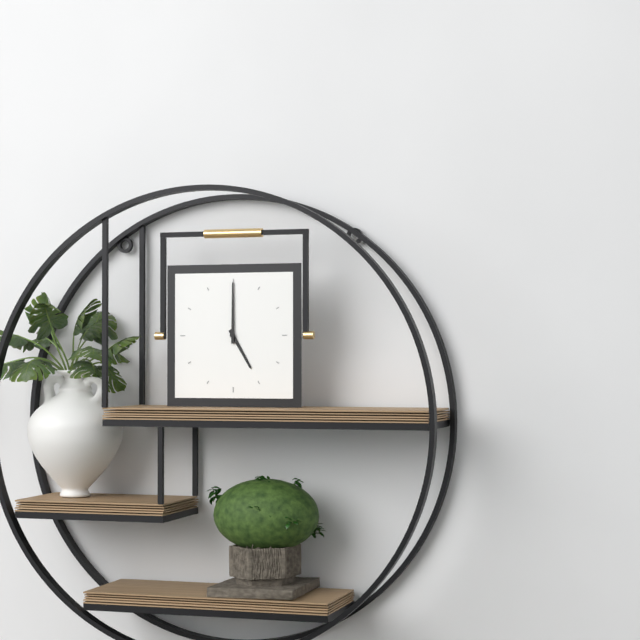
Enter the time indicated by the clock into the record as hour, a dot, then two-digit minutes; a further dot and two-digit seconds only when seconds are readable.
5.00
